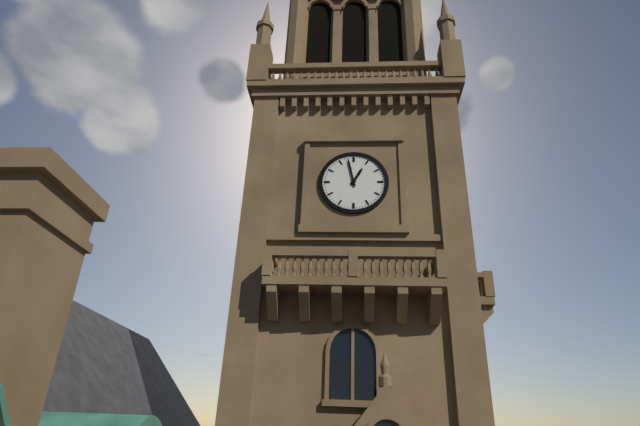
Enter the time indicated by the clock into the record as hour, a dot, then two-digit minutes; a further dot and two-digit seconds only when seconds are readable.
12.58
